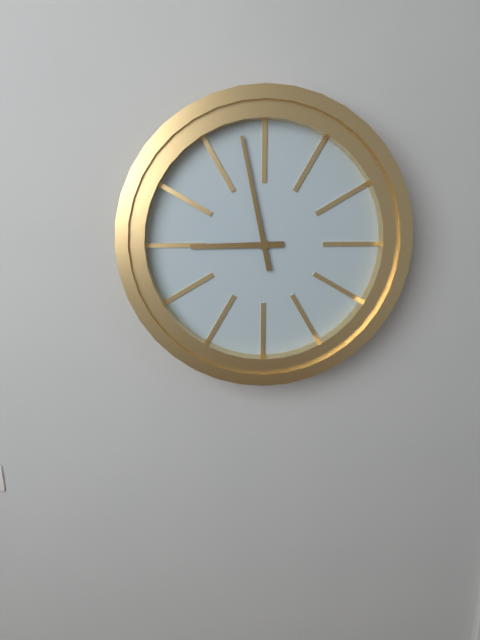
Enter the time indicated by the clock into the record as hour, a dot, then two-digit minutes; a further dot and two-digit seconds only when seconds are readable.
8.58
